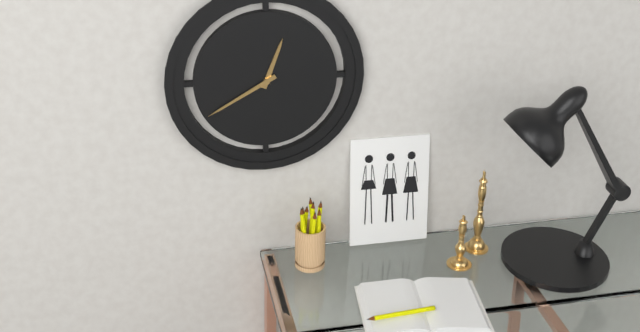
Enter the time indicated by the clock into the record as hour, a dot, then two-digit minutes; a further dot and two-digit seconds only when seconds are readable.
12.40
